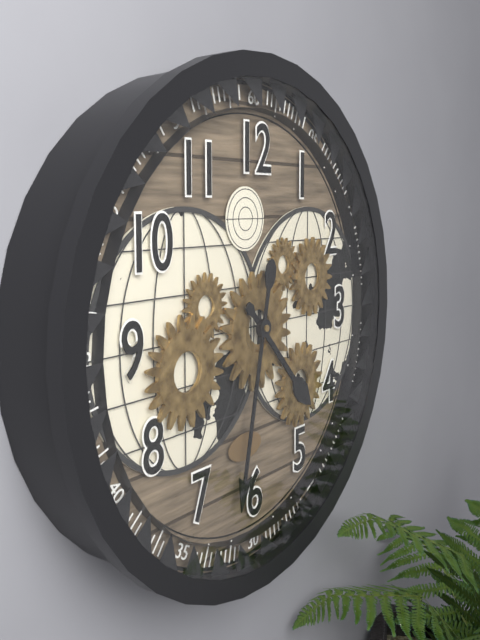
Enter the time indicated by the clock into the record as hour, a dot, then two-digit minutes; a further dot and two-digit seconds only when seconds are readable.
4.32
